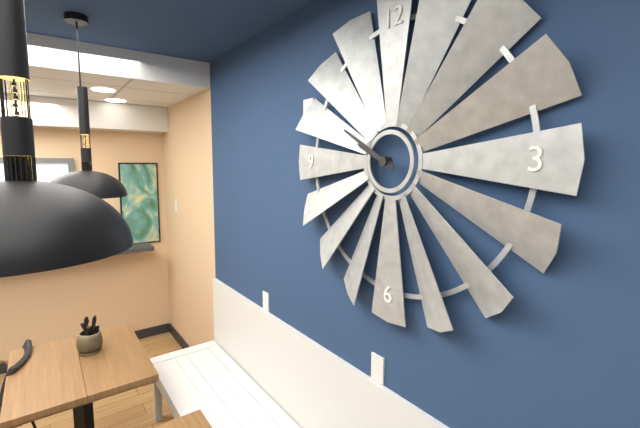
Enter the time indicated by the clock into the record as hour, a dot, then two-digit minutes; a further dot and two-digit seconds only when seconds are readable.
9.50
